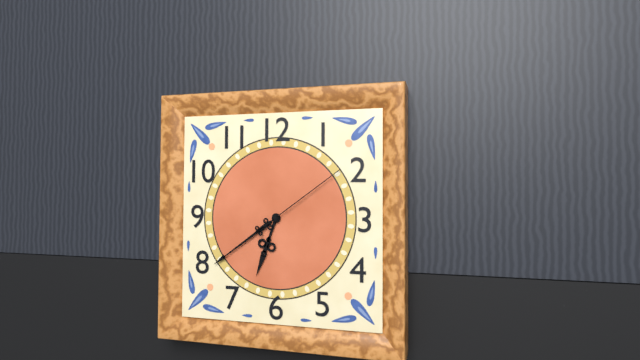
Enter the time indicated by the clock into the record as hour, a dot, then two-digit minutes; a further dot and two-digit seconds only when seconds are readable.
6.39.09
